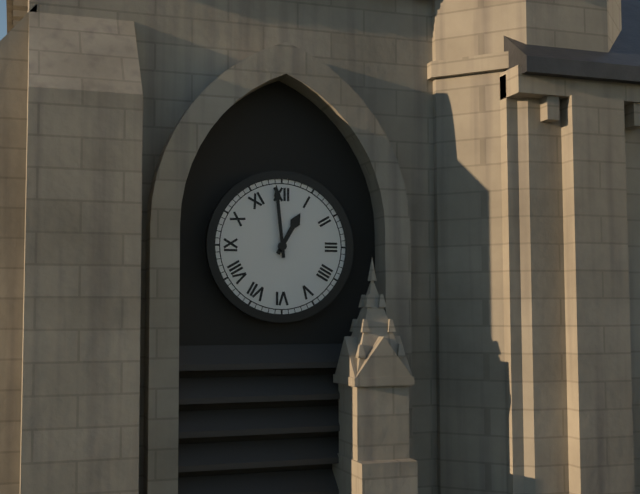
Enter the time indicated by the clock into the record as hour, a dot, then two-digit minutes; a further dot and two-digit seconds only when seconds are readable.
12.59
